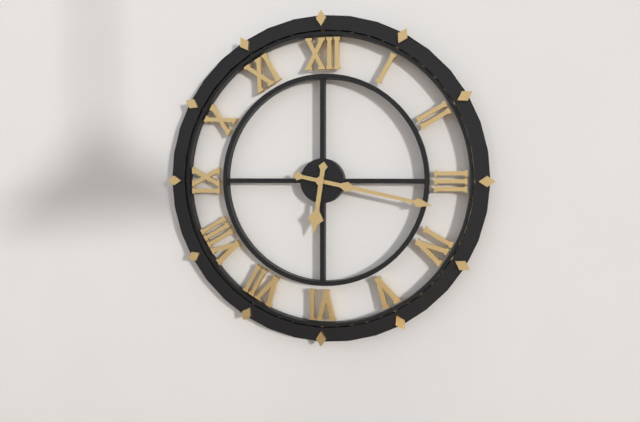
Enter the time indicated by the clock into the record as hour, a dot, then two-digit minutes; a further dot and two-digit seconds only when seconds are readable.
6.17
